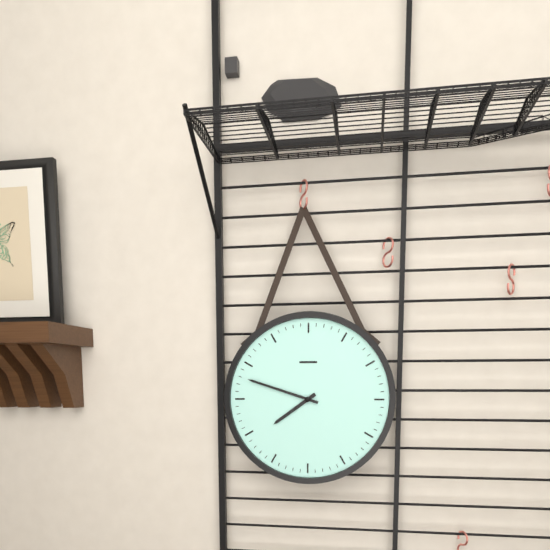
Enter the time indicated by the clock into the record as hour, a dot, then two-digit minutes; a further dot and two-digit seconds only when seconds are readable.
7.48
